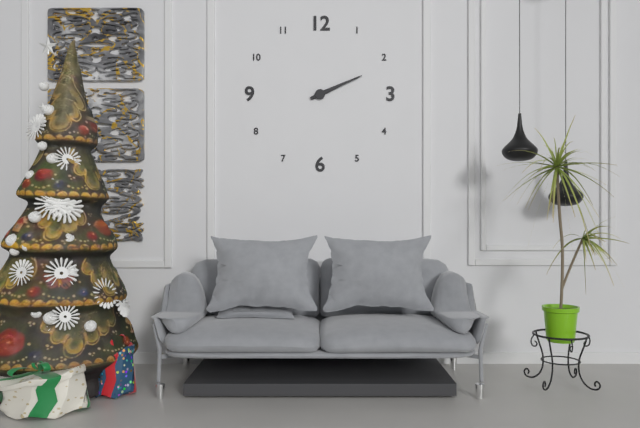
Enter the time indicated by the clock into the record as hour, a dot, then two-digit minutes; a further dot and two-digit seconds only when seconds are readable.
2.11
